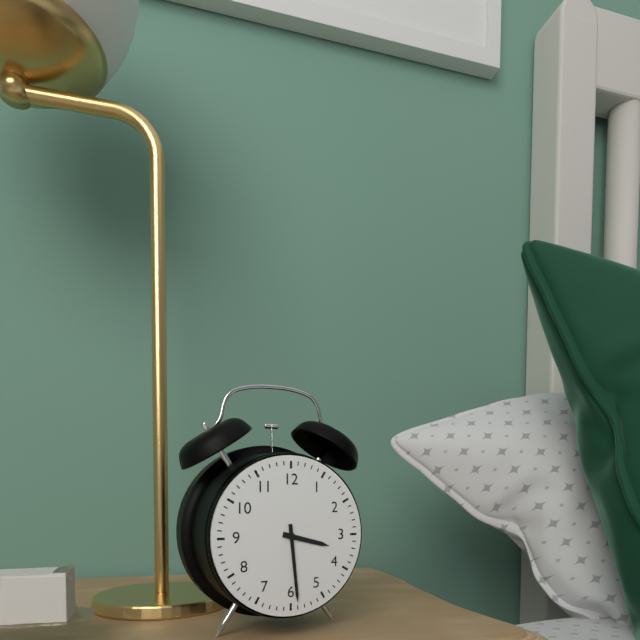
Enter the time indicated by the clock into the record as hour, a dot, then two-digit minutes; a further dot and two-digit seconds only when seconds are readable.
3.29
